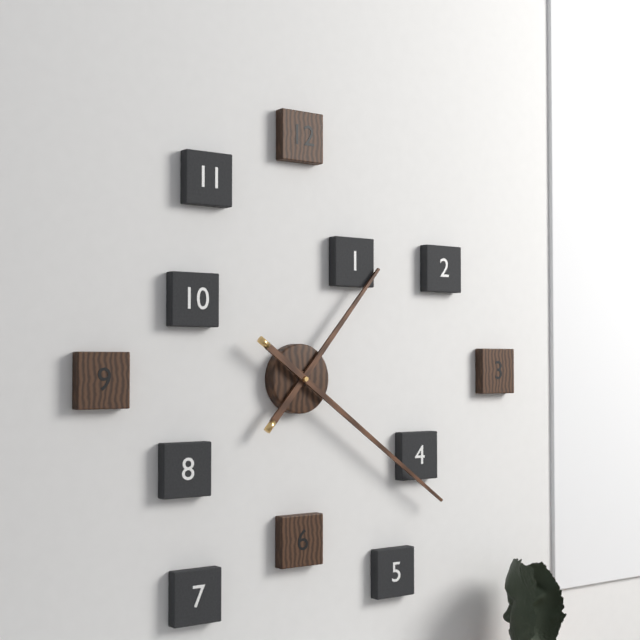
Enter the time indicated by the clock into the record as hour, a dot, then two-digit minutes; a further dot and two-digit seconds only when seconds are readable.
1.21
